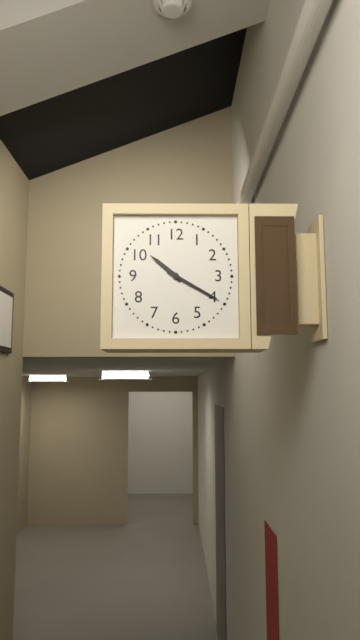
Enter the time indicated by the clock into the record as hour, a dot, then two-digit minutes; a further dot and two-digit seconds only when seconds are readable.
10.20
